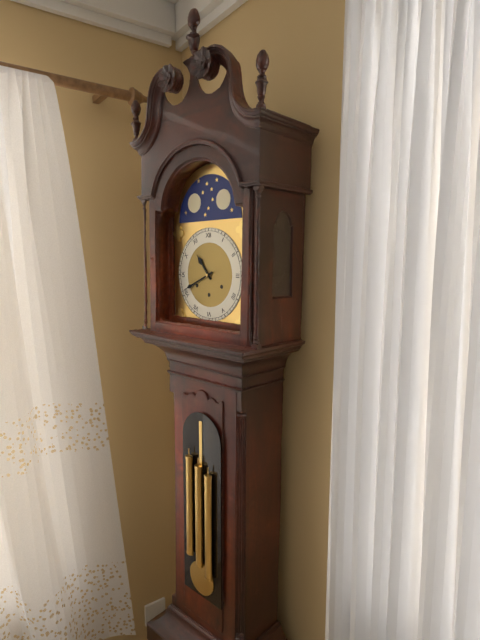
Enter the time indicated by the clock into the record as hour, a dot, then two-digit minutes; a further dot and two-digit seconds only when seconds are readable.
10.41
